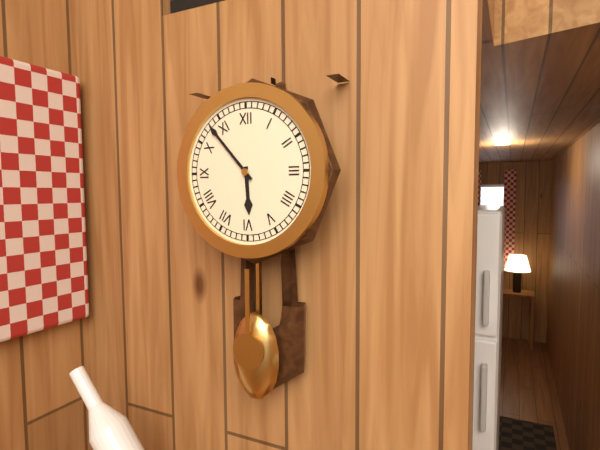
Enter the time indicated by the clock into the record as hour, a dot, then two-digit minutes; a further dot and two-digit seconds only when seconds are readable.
5.53
